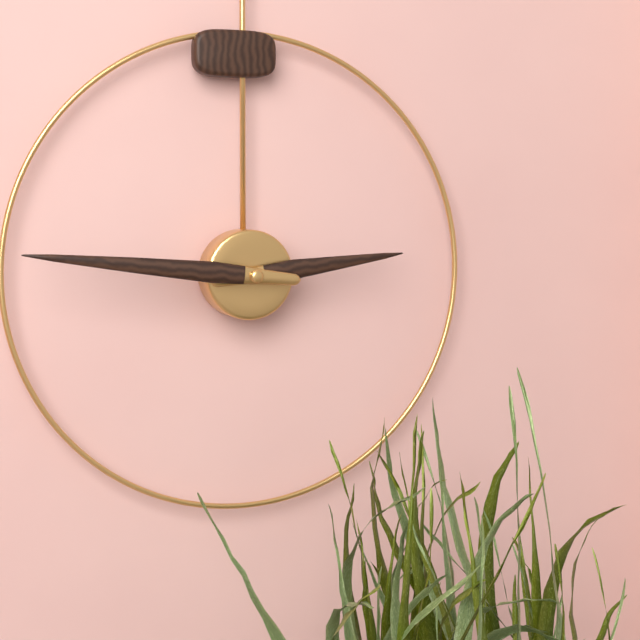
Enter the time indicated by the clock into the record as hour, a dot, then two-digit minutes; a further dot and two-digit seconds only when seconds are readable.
2.46
